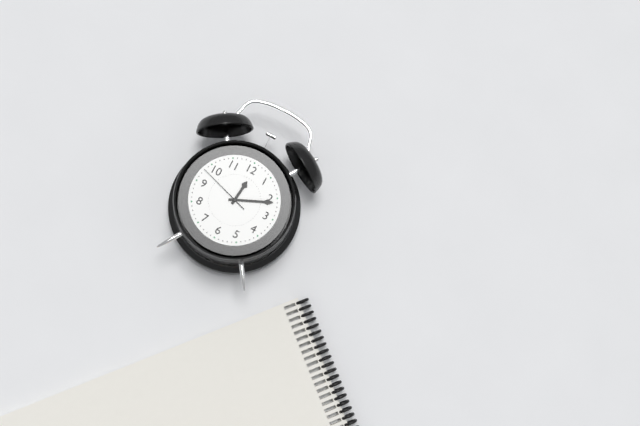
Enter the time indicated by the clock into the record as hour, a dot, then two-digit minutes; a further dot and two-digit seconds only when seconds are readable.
12.11.48
